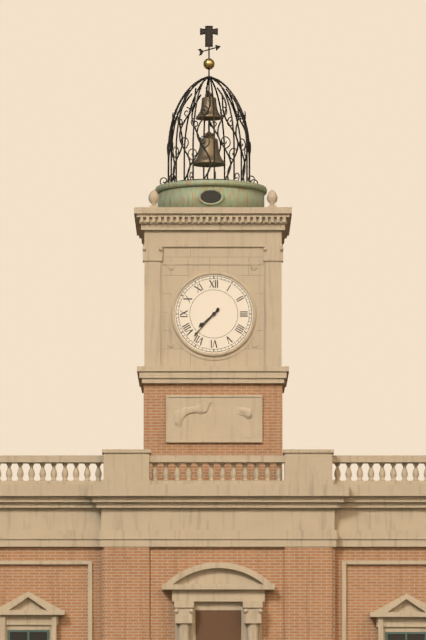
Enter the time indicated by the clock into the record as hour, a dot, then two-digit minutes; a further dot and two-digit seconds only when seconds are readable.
7.37
